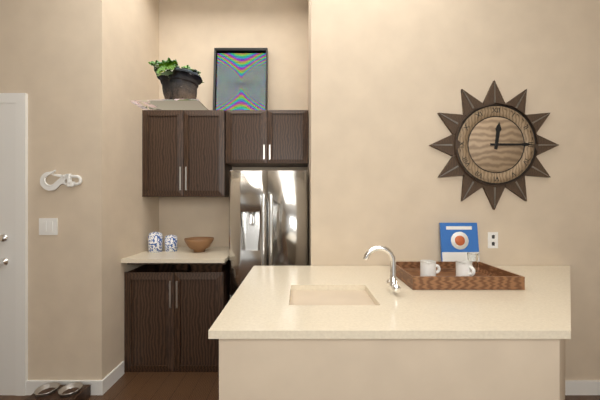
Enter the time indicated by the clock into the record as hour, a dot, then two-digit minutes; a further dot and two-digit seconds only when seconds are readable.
12.15
